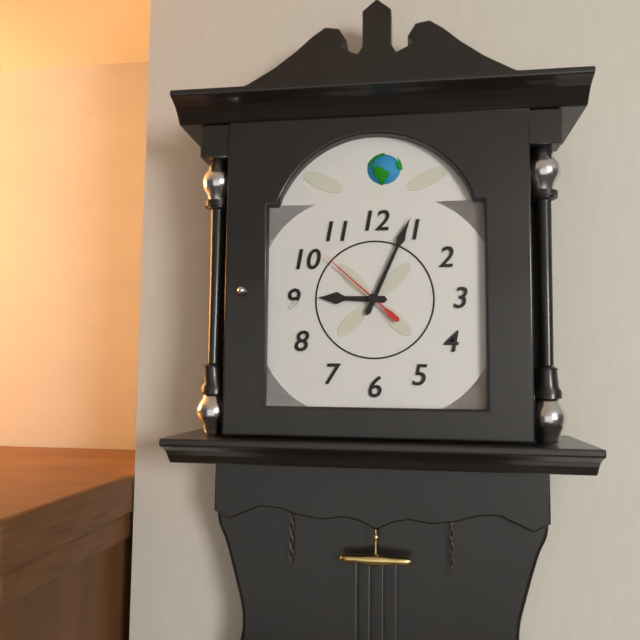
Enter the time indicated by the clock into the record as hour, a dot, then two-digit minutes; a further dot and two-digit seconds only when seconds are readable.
9.04.52
